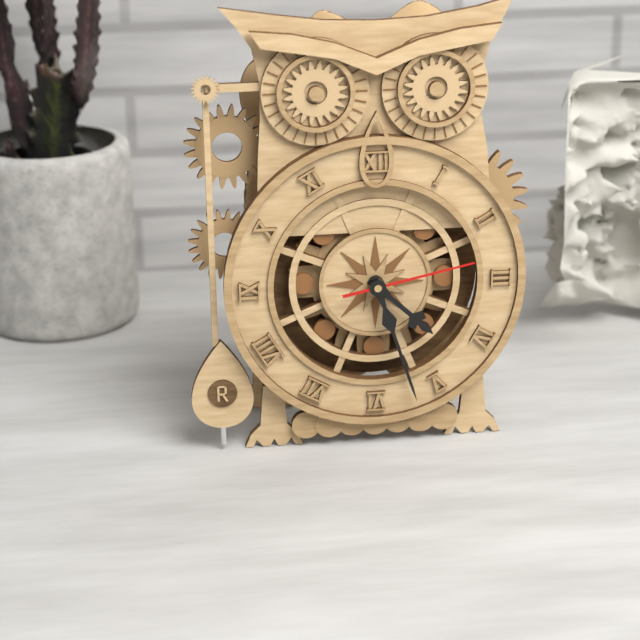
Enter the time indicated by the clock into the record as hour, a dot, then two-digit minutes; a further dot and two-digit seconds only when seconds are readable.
4.27.13
